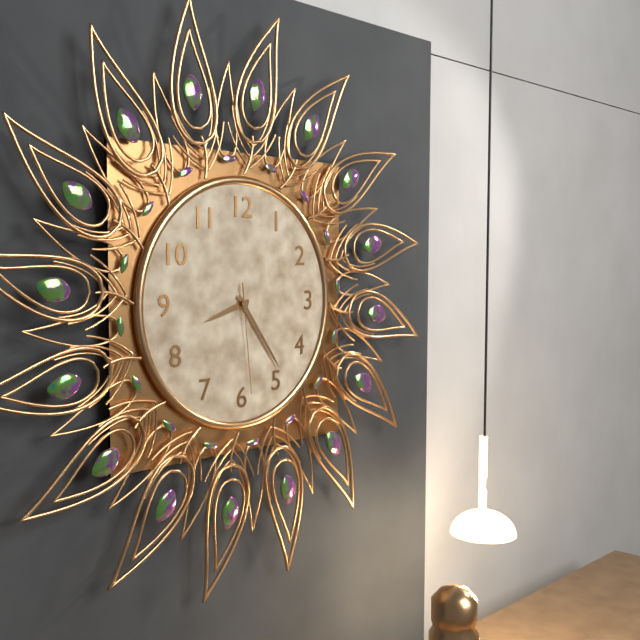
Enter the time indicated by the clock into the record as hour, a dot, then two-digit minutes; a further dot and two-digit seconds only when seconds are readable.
8.24.29
